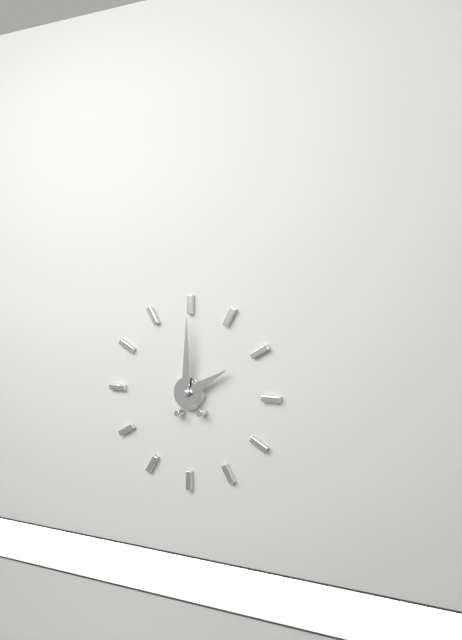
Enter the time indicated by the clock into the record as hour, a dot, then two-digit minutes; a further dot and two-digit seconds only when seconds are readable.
2.00
